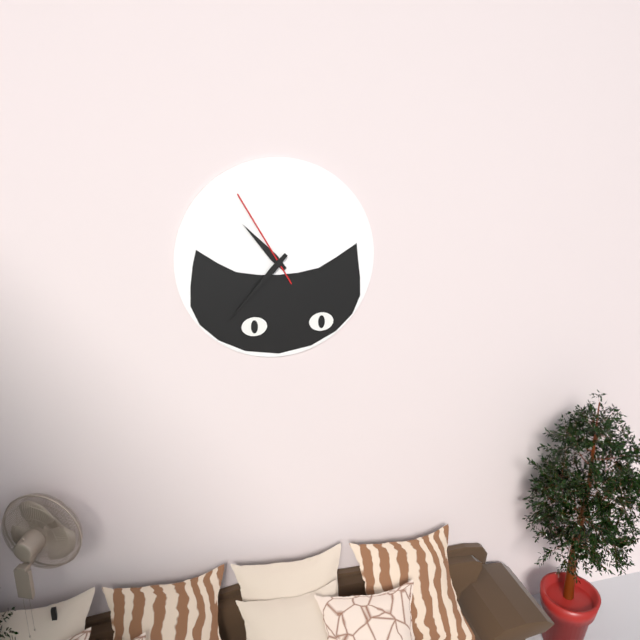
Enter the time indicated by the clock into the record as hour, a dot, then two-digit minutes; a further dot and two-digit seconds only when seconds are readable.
10.37.55
